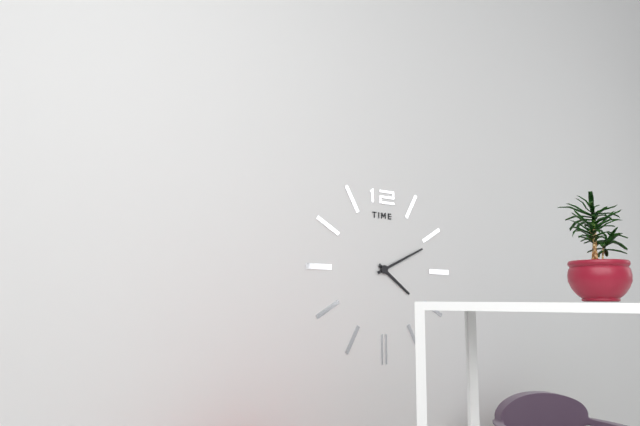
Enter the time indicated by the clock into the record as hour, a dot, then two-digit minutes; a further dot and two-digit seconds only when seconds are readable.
4.11
